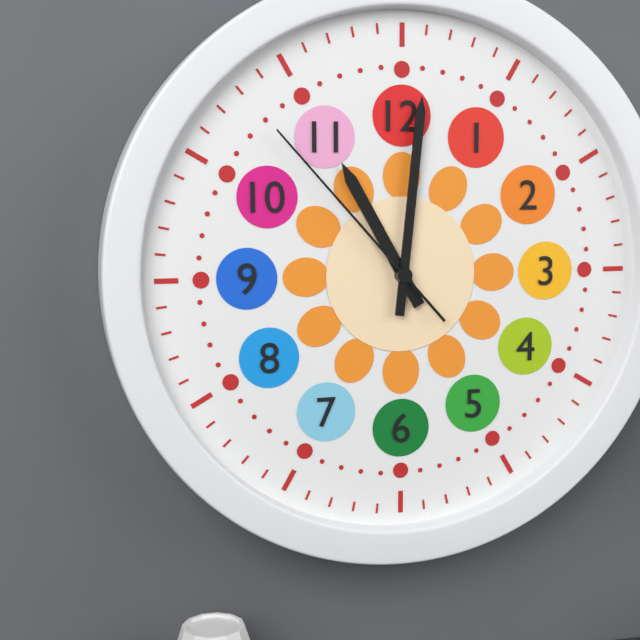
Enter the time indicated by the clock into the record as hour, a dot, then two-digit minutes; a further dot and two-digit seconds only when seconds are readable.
11.01.53
